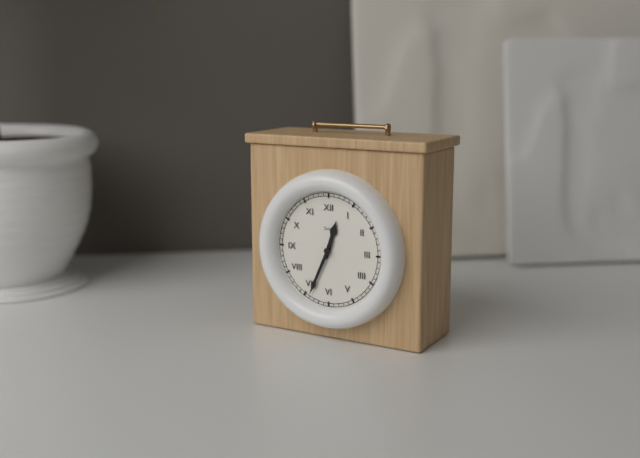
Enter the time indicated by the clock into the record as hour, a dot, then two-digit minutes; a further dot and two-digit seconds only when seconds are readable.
12.34
